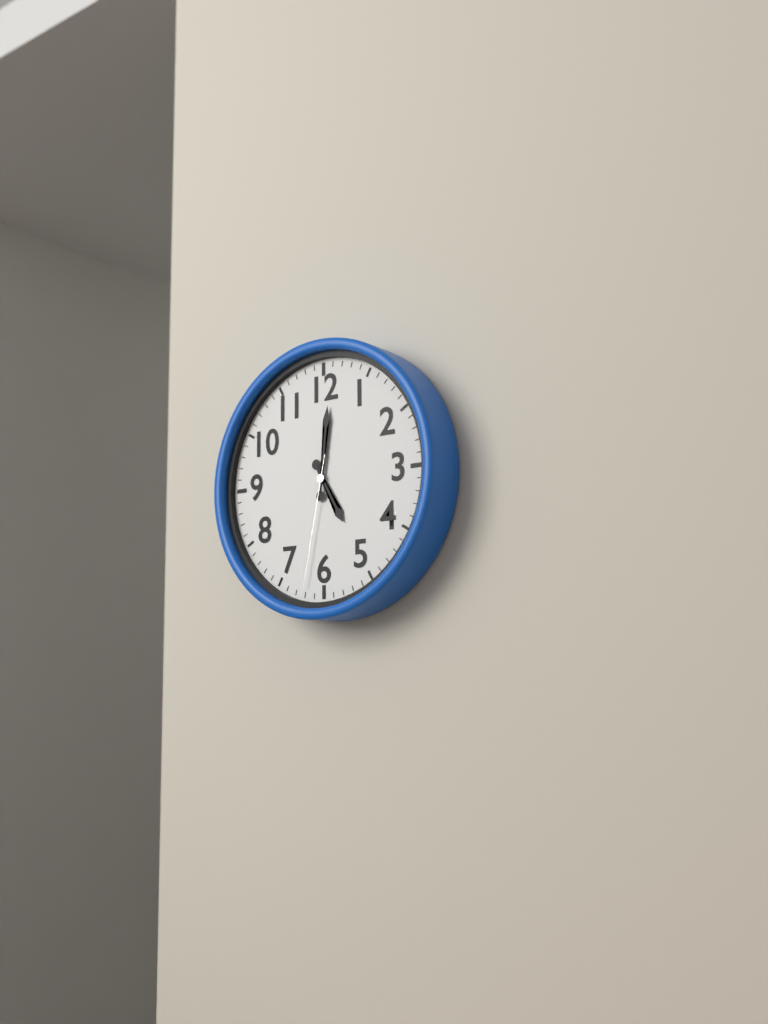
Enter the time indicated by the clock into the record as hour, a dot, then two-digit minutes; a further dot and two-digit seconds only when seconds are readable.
5.01.32
